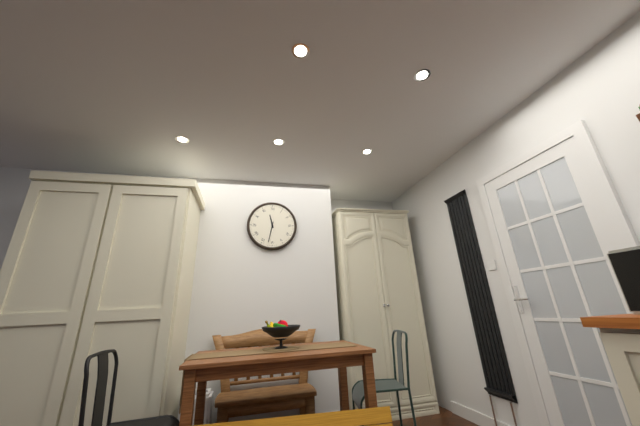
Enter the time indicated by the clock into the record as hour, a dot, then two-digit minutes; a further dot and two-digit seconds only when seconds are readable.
11.32
